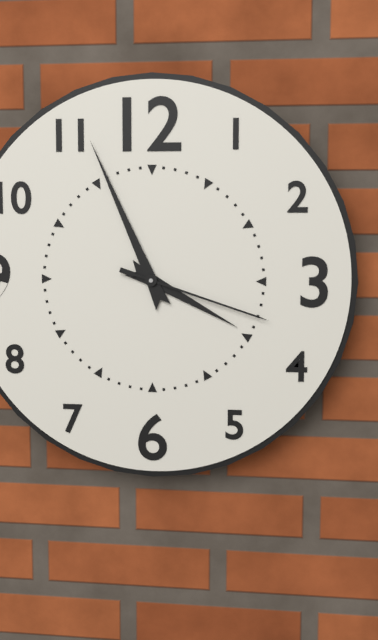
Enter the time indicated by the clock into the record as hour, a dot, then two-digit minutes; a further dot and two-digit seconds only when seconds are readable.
3.56.18
